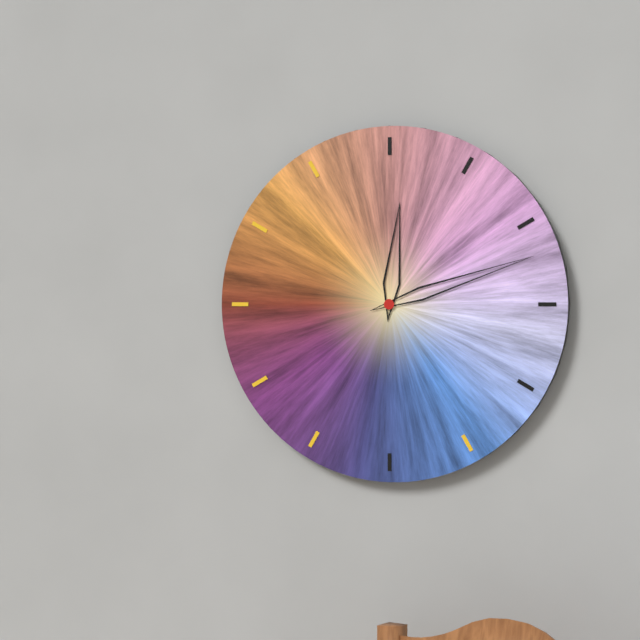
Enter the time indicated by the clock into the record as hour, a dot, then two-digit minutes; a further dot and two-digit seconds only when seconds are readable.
12.12
